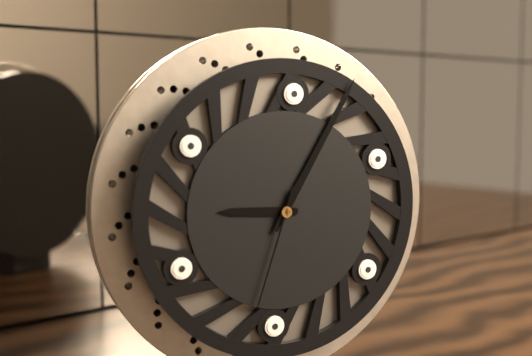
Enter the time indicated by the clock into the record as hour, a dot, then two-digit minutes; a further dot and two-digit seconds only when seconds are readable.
9.05.33
